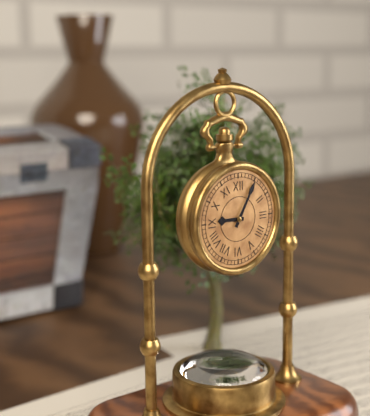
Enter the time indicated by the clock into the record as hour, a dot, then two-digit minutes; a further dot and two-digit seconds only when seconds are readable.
9.05
